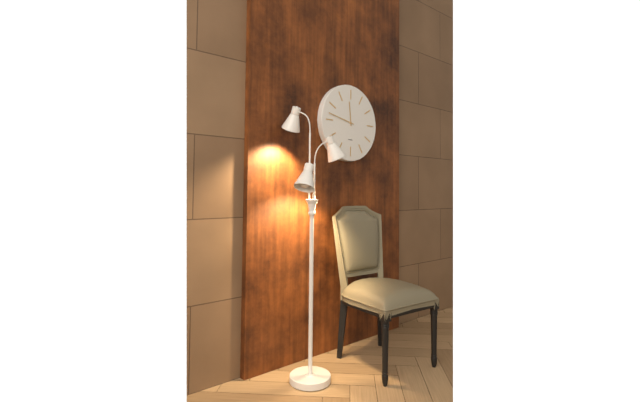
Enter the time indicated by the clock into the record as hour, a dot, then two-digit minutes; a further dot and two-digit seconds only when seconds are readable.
11.47
